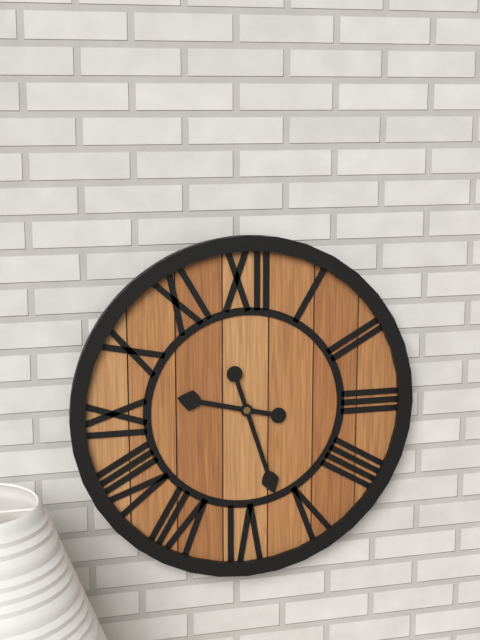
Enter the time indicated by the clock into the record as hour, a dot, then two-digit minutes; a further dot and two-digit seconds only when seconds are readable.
9.27
